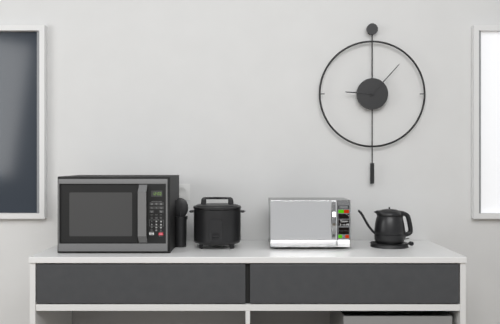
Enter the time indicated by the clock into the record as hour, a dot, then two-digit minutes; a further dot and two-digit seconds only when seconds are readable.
9.07
